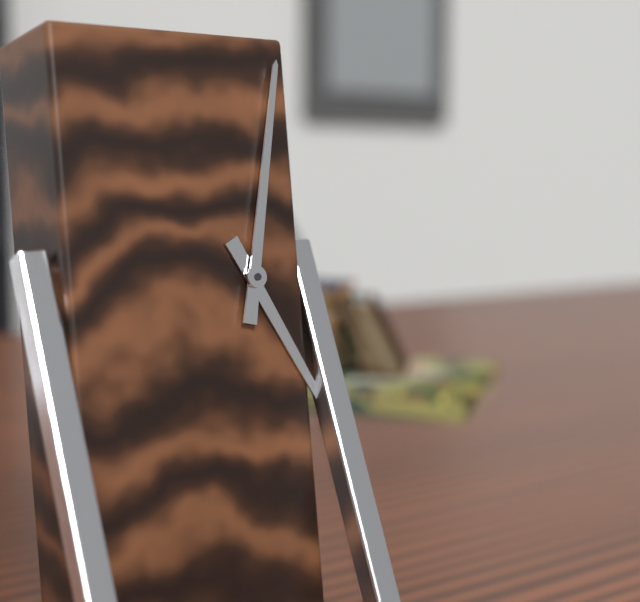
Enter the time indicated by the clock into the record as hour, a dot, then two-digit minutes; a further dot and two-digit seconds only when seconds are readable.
5.02
